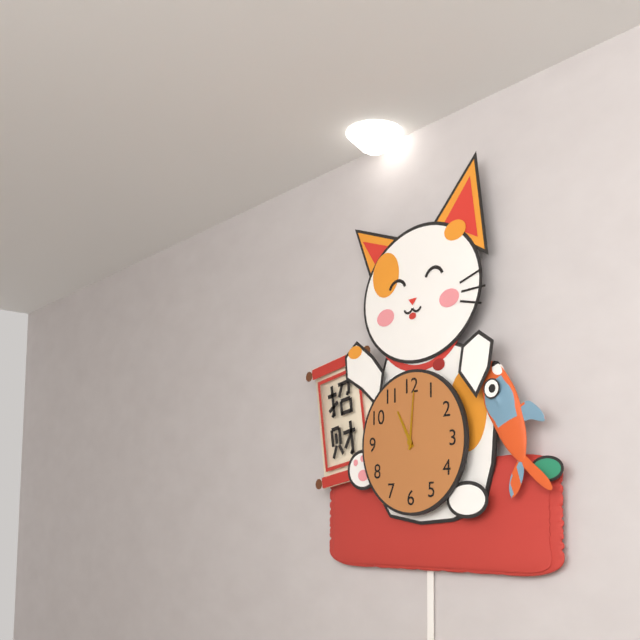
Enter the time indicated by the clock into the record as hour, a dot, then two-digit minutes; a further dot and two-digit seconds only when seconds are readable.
11.01
